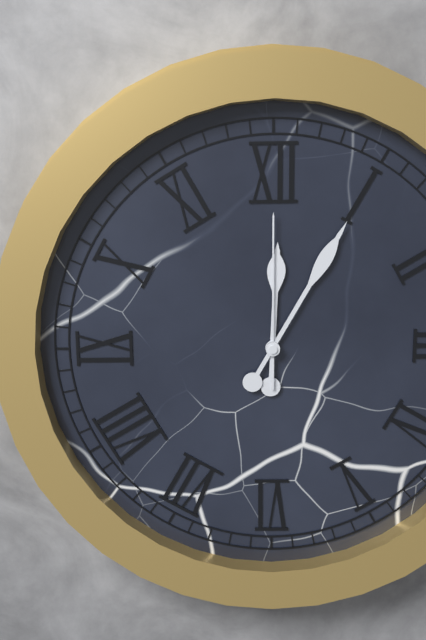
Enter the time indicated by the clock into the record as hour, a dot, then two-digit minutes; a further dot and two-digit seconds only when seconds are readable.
12.05.00
